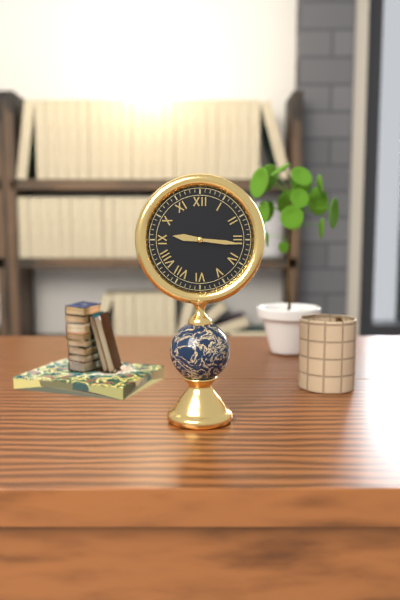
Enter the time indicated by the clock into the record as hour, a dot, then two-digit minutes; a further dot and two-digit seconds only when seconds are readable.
9.16
